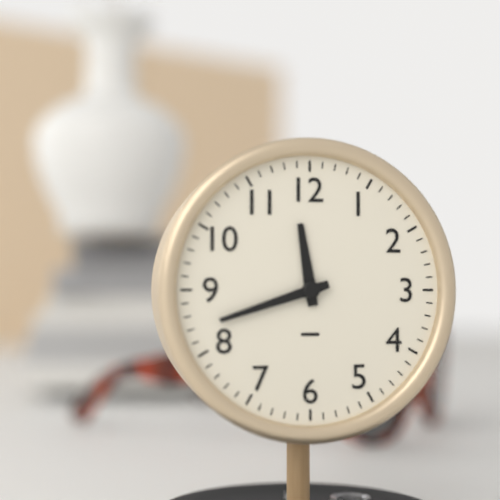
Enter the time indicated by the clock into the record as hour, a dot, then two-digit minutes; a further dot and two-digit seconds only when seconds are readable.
11.42
